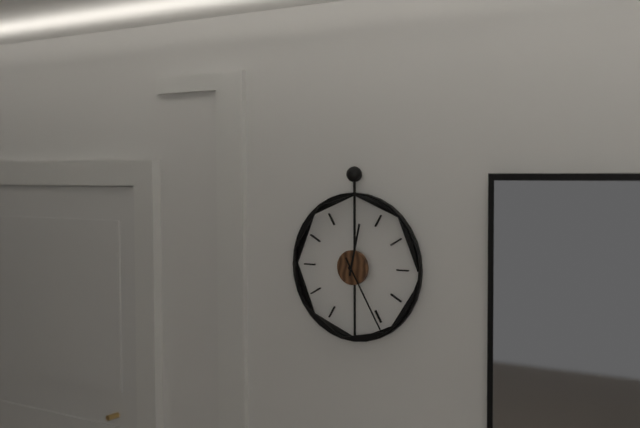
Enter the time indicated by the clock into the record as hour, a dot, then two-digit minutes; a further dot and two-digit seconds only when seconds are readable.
12.25
